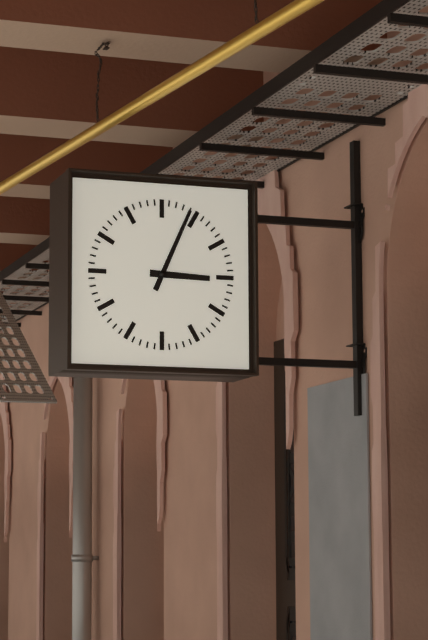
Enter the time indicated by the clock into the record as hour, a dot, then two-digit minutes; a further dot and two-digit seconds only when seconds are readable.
3.04
